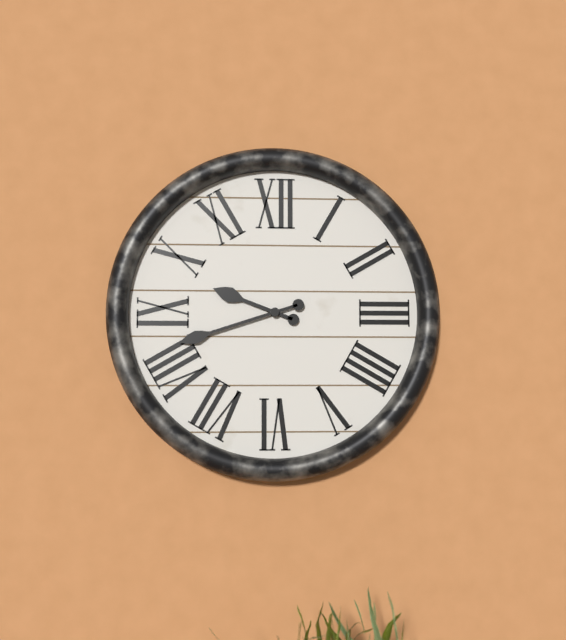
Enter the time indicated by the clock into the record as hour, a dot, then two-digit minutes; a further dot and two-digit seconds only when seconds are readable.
9.42
